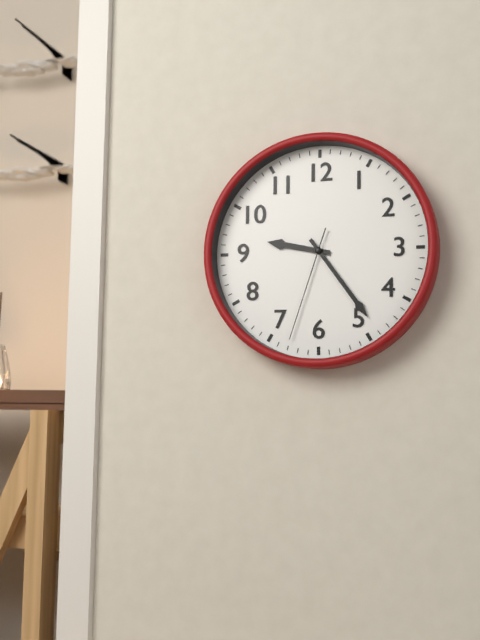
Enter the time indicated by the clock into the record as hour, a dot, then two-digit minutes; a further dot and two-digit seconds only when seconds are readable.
9.24.33
